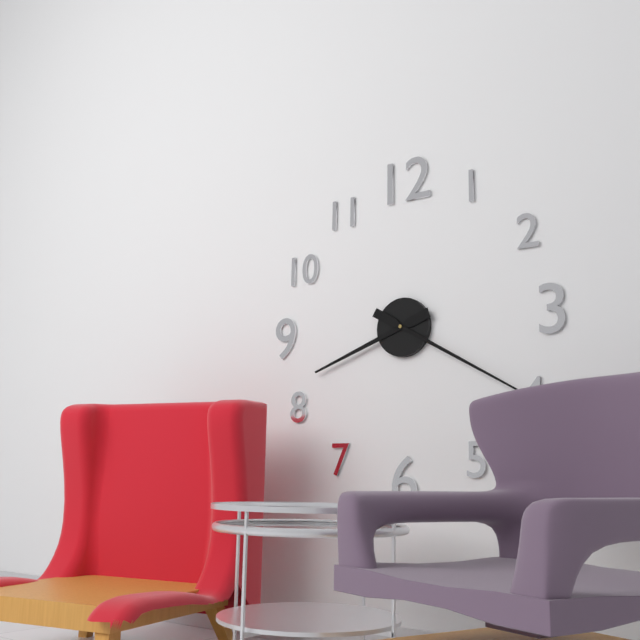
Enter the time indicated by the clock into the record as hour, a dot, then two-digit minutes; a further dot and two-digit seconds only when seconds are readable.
8.20
